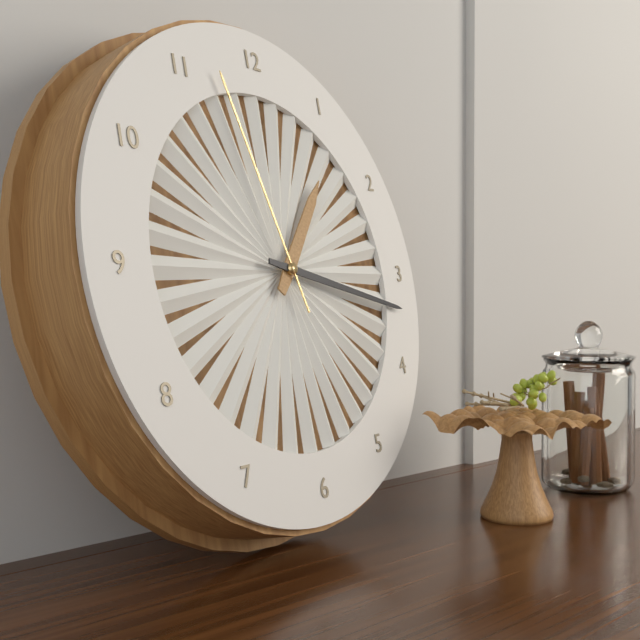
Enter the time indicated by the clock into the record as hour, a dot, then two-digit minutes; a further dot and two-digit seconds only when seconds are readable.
1.17.57
